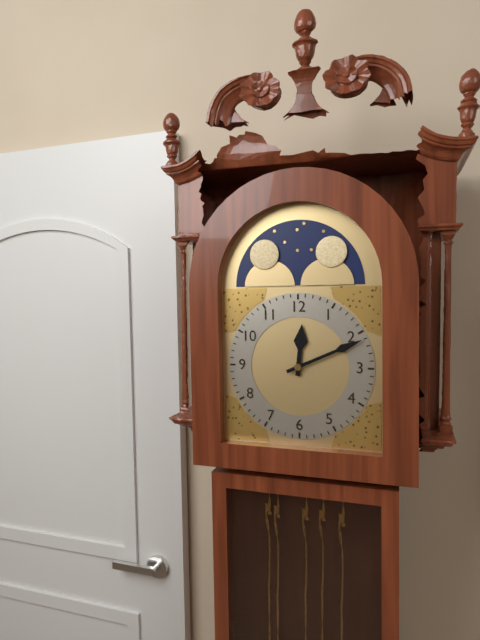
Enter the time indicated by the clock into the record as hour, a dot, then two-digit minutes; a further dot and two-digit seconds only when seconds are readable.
12.11
